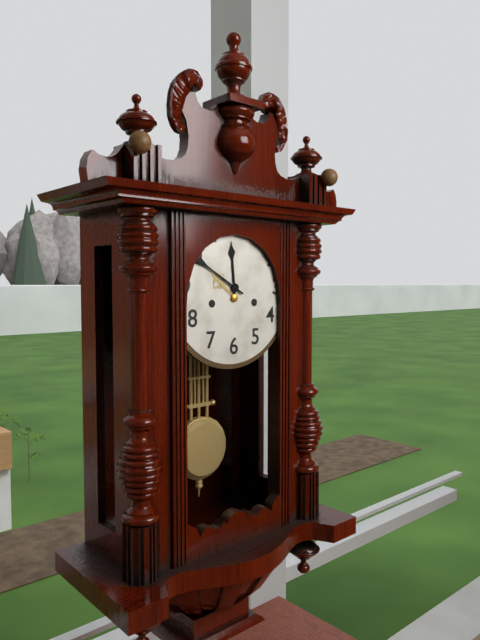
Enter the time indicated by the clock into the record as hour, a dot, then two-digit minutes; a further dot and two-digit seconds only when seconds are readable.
11.50
